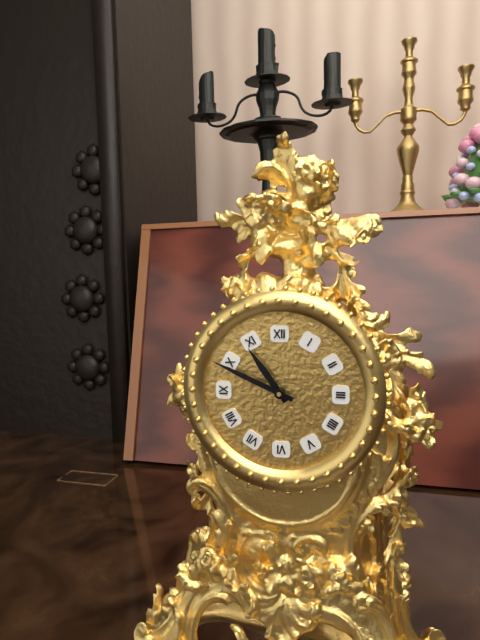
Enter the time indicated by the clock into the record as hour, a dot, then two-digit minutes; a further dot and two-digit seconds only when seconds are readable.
10.49
